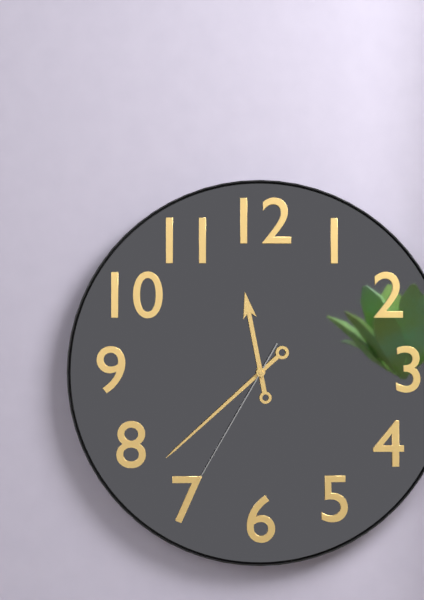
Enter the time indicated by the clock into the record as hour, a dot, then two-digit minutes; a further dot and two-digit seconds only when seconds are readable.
11.38.35
